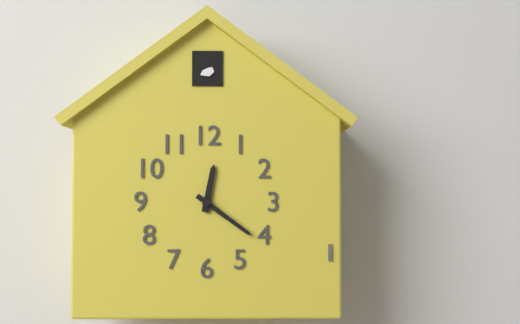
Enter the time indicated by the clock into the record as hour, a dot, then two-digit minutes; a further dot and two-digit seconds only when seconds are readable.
12.21
